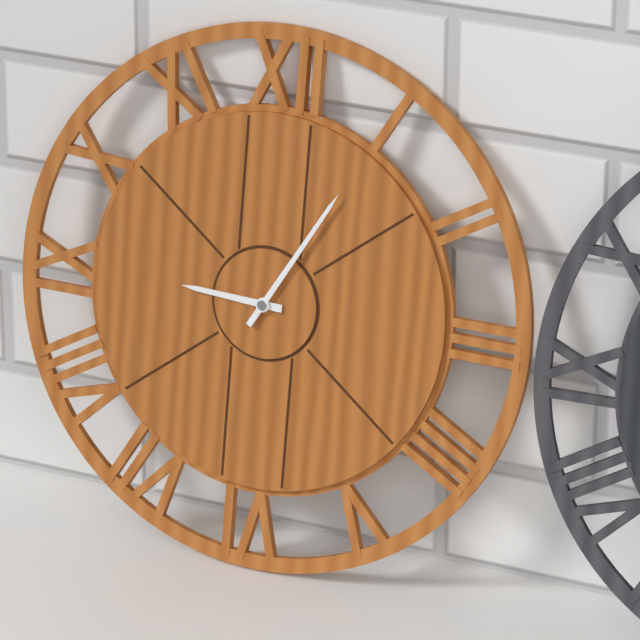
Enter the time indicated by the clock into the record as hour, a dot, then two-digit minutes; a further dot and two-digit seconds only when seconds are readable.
9.05
